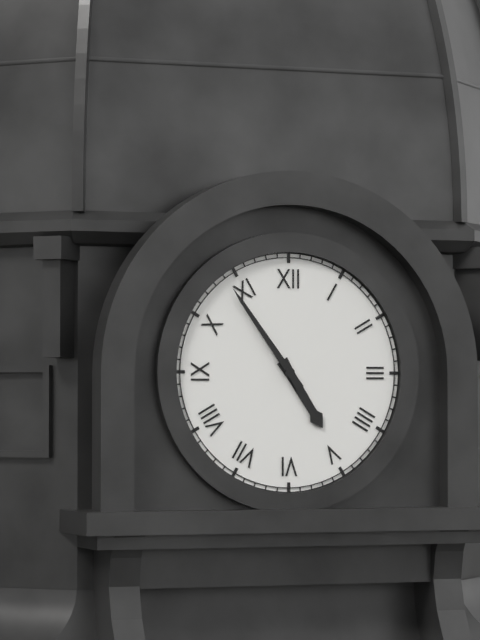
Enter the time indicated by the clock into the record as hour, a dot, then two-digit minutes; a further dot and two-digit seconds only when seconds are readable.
4.54
